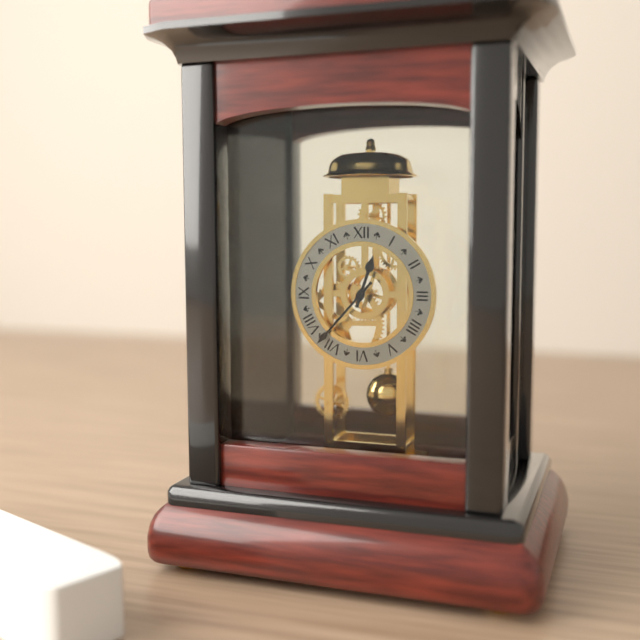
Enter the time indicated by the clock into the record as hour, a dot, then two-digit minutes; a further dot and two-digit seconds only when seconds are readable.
12.37
